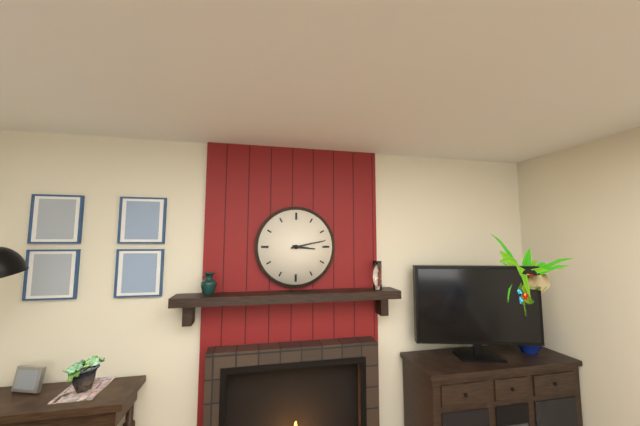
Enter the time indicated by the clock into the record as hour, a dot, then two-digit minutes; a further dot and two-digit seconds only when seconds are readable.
3.13
